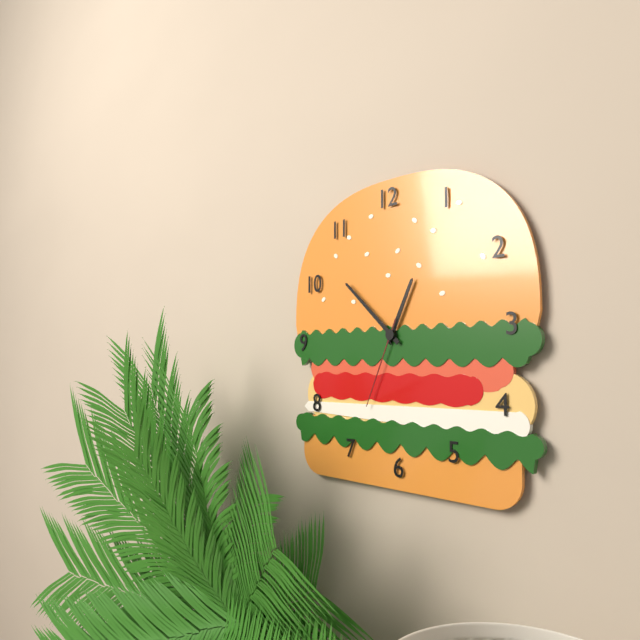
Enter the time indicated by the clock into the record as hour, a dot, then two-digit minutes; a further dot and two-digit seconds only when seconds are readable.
12.52.34
